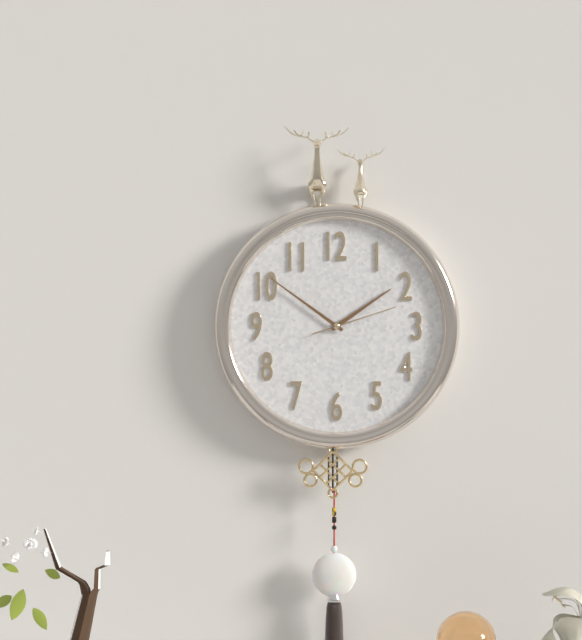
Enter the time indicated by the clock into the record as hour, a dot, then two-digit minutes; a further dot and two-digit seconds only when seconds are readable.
1.51.12
